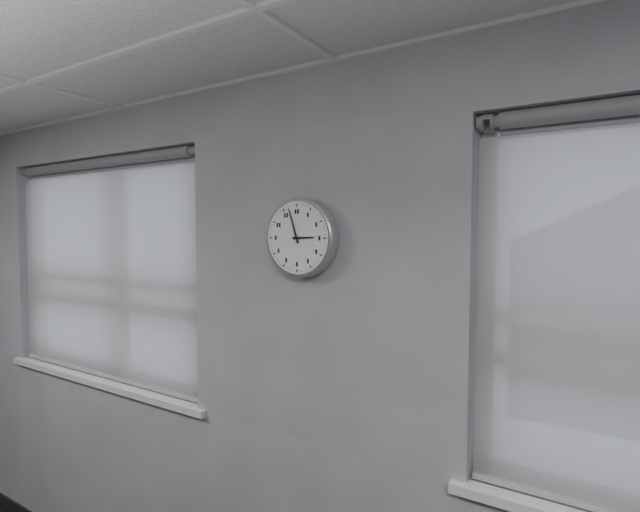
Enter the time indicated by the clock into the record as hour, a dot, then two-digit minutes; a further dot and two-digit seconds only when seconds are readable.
2.57
